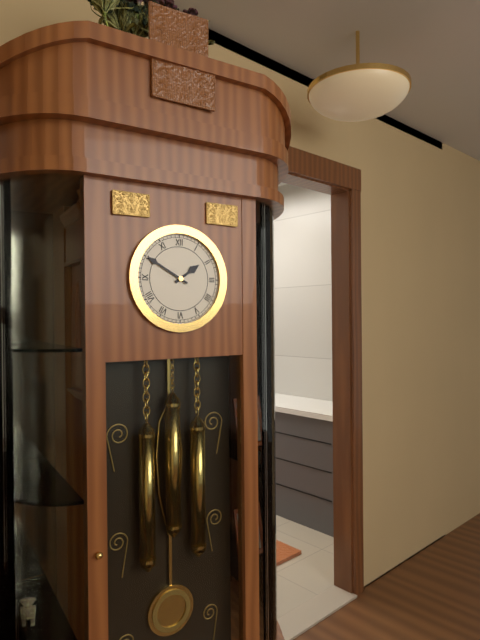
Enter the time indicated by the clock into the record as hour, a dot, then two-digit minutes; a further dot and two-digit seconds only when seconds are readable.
1.50
